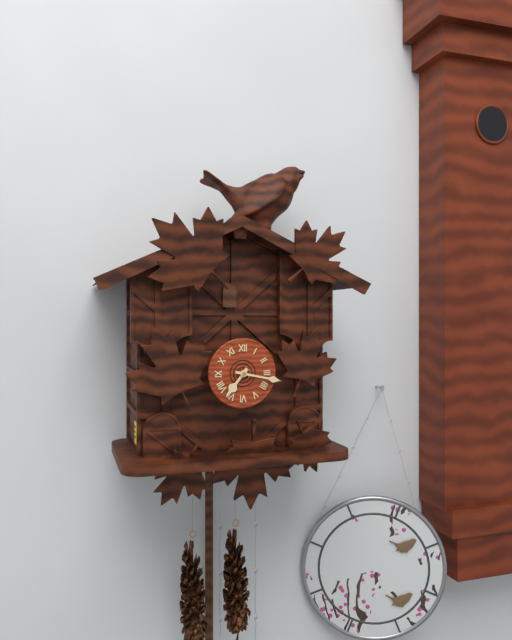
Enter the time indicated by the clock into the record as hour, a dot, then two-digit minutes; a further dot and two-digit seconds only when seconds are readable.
7.17
